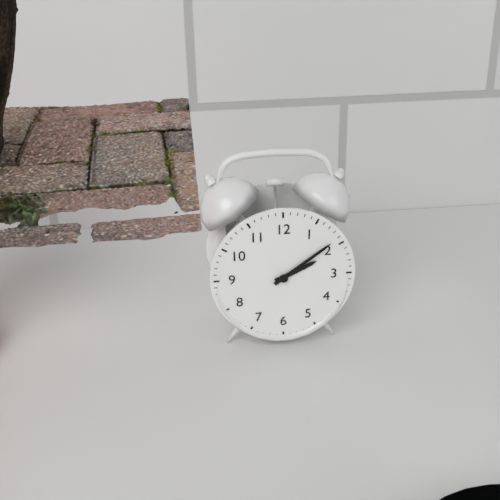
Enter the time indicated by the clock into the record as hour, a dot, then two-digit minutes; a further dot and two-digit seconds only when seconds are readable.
2.09
